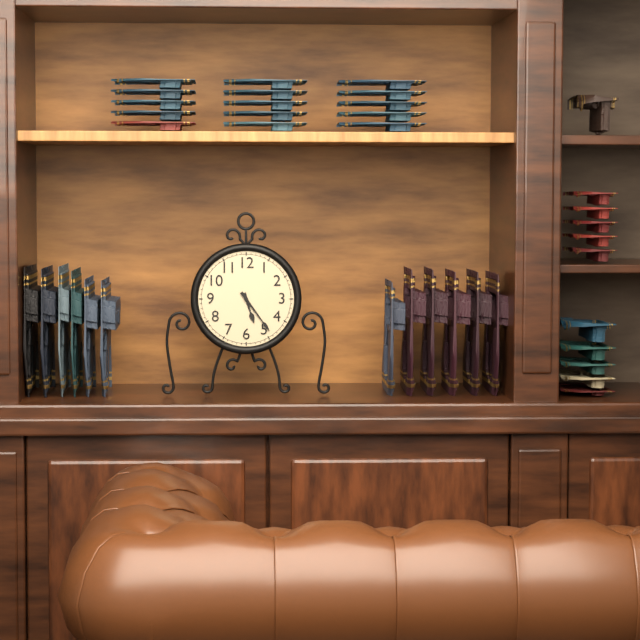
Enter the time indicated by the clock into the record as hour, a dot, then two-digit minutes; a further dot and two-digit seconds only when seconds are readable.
5.24
